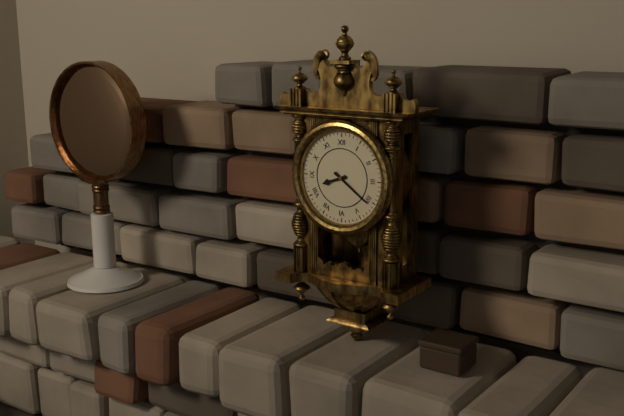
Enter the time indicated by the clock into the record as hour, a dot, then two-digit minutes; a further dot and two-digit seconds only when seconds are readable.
8.21
